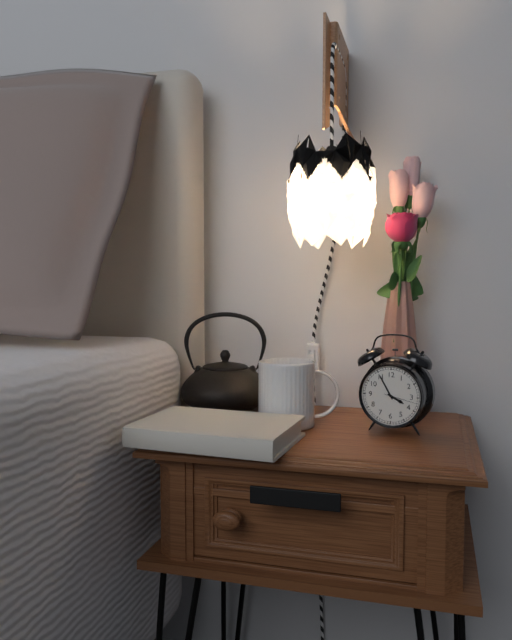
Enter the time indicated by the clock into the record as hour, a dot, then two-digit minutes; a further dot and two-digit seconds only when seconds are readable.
3.55
